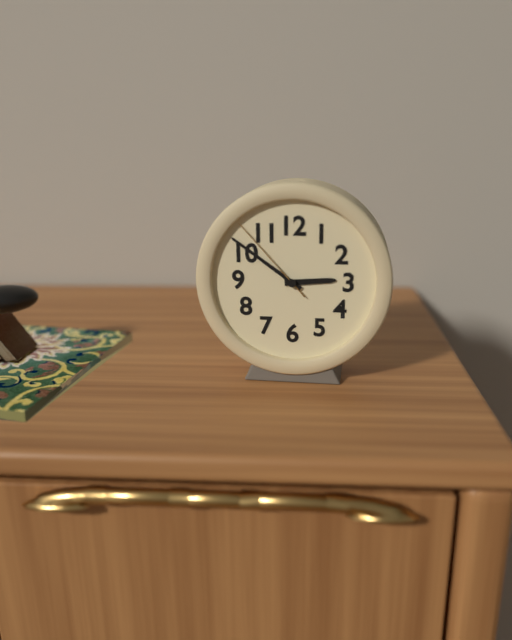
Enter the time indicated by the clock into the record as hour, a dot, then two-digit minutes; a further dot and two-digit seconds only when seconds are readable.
2.51.53
